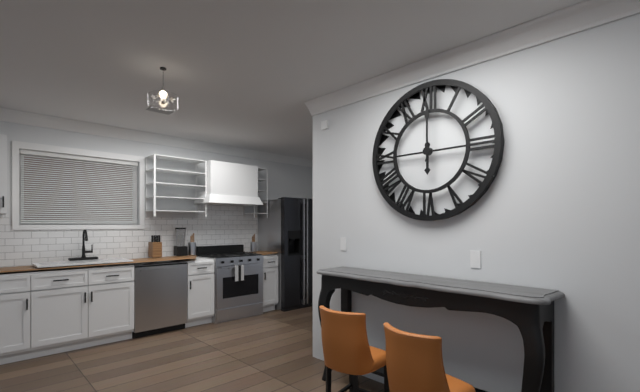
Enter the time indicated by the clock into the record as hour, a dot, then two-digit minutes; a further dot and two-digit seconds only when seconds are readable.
6.00
